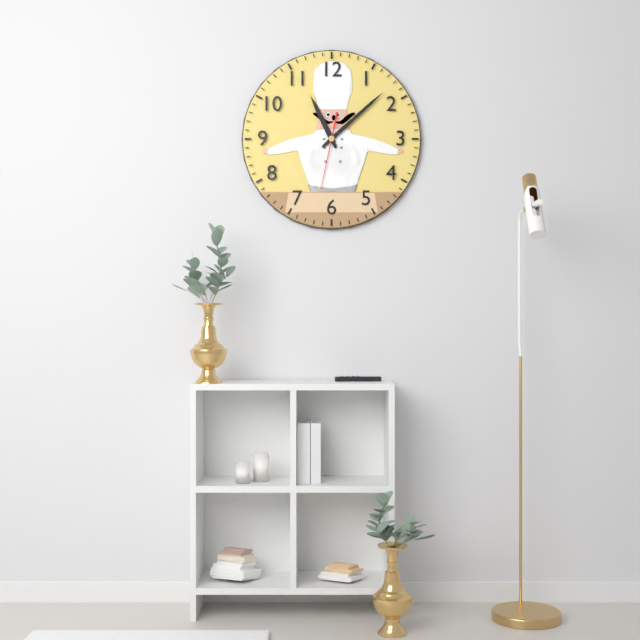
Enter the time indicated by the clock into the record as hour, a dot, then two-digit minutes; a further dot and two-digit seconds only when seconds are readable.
11.08.32
